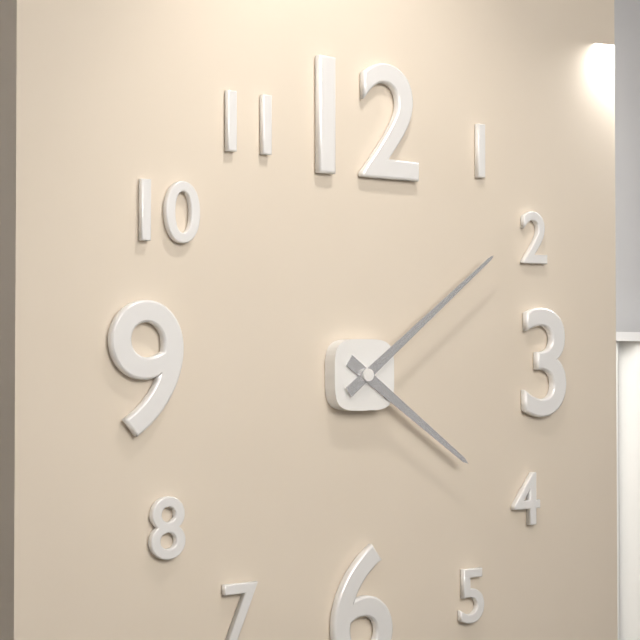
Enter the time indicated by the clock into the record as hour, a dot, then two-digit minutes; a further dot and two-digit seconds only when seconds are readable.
4.09
